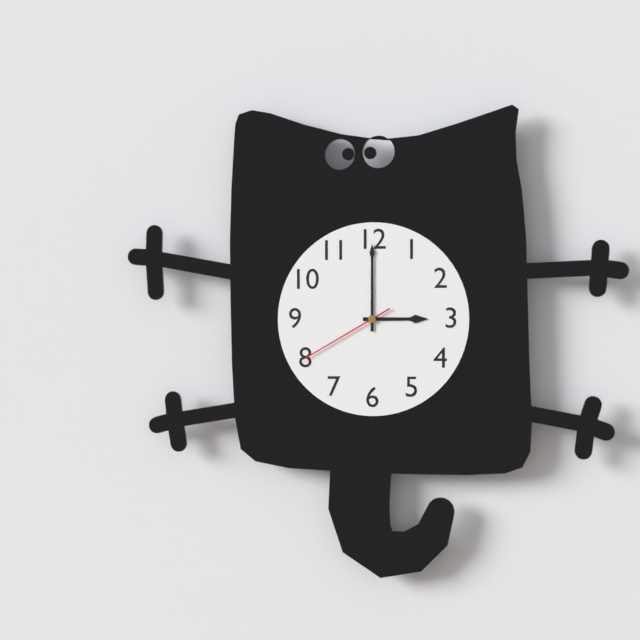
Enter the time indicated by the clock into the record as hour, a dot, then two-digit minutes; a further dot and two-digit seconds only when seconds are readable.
3.00.40
